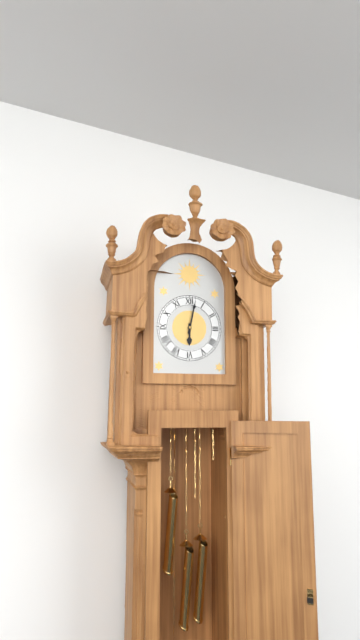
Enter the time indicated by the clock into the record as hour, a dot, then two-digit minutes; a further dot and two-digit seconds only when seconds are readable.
6.02
